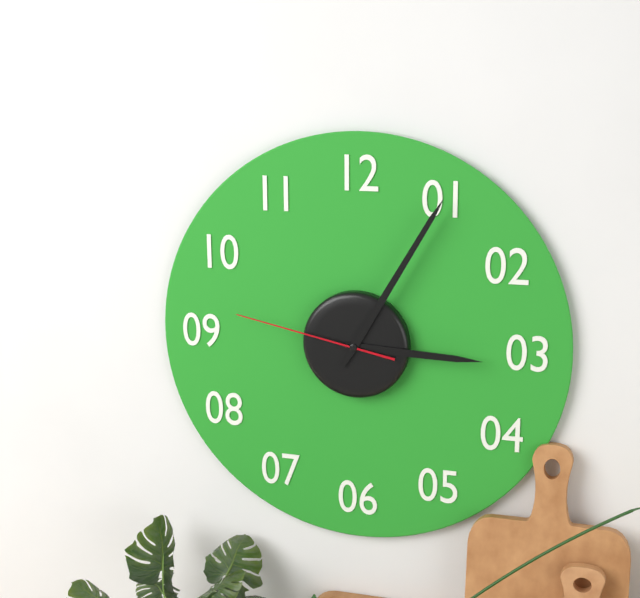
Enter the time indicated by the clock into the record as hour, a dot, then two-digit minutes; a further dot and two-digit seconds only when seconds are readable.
3.05.47
